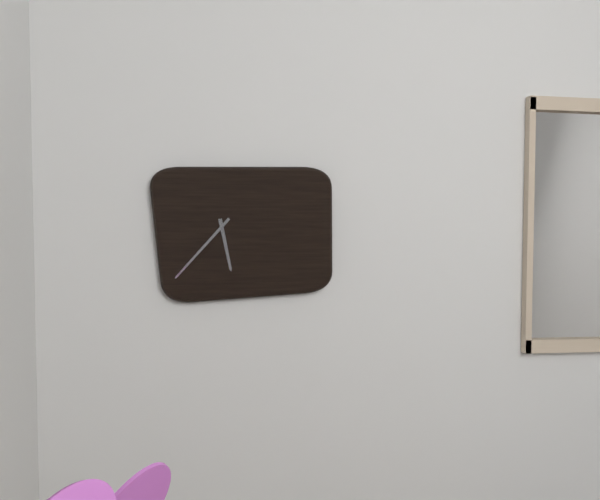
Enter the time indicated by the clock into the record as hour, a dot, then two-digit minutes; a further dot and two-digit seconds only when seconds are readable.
5.37
